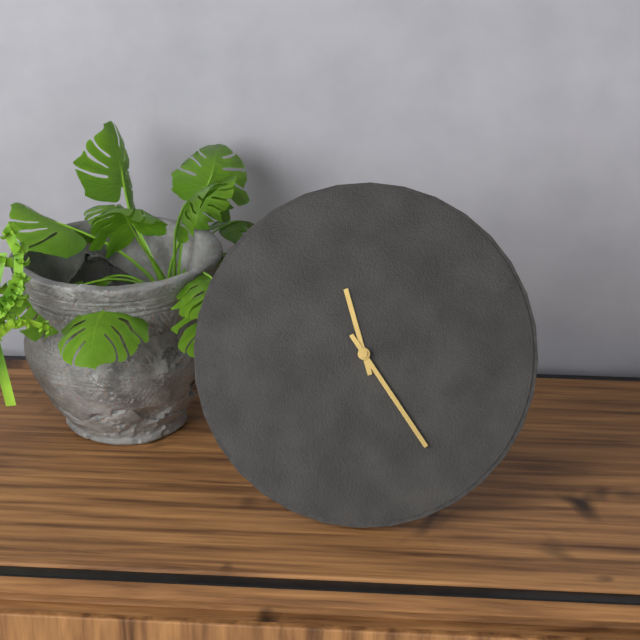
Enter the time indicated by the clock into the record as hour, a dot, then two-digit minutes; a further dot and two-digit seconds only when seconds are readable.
11.24
